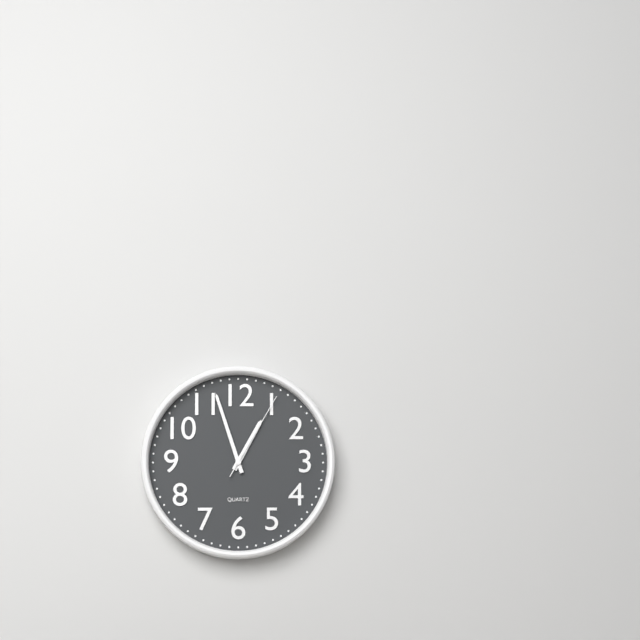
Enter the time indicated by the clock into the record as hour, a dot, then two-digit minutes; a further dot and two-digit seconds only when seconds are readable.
12.57.05
